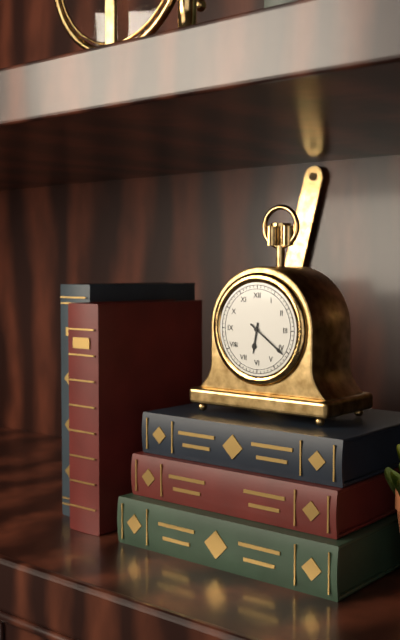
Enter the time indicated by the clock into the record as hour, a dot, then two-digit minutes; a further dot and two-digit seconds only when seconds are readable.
6.21
